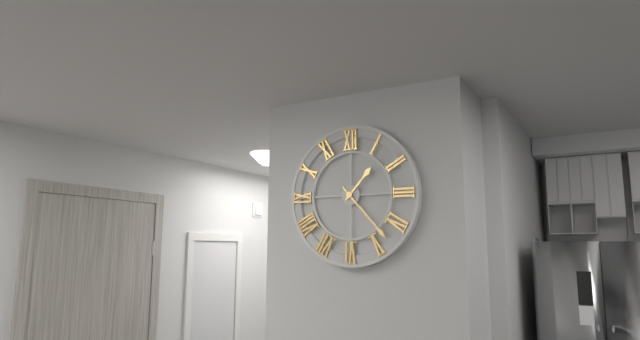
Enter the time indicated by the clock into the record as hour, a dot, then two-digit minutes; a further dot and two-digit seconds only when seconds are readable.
1.23
